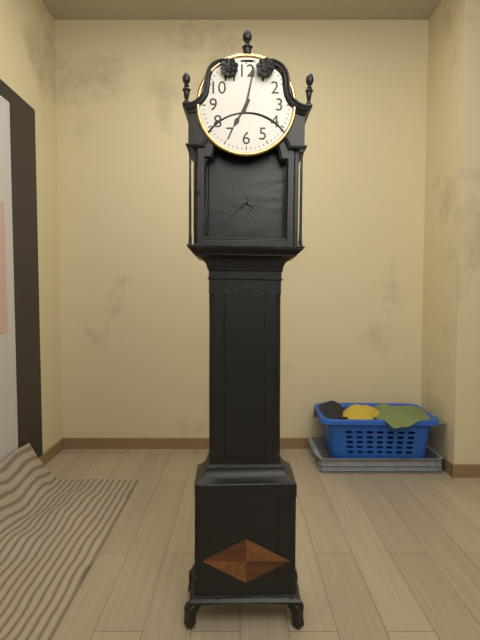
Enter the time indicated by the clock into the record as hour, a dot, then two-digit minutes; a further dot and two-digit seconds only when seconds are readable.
7.02
